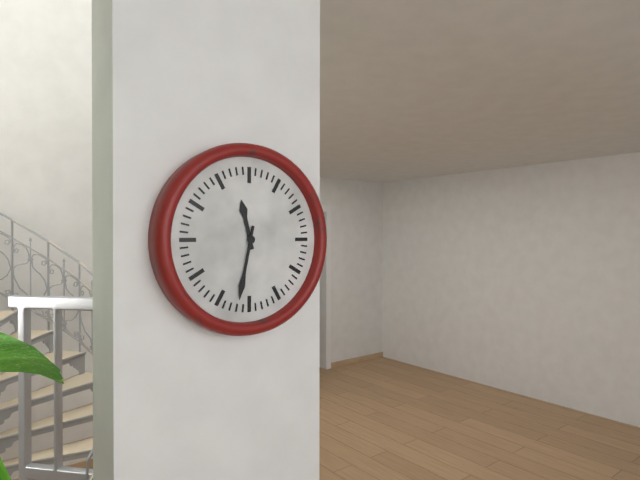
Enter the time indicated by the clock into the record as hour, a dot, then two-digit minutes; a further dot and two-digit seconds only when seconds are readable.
11.32
